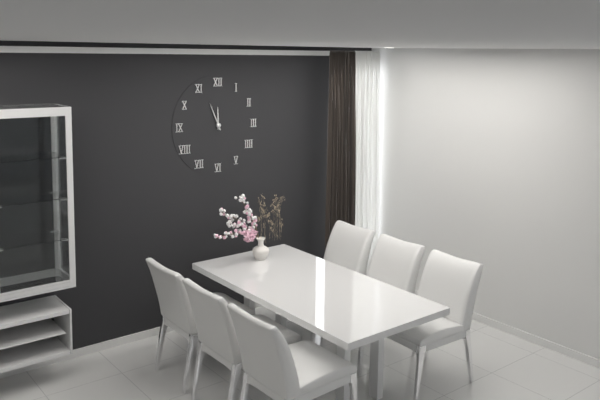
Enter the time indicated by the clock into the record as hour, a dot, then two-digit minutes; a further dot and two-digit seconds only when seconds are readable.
11.56
